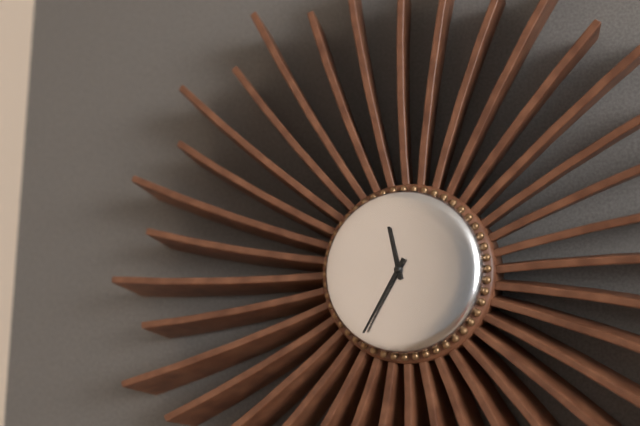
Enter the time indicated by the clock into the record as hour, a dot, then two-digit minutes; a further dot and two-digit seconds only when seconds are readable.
11.35
